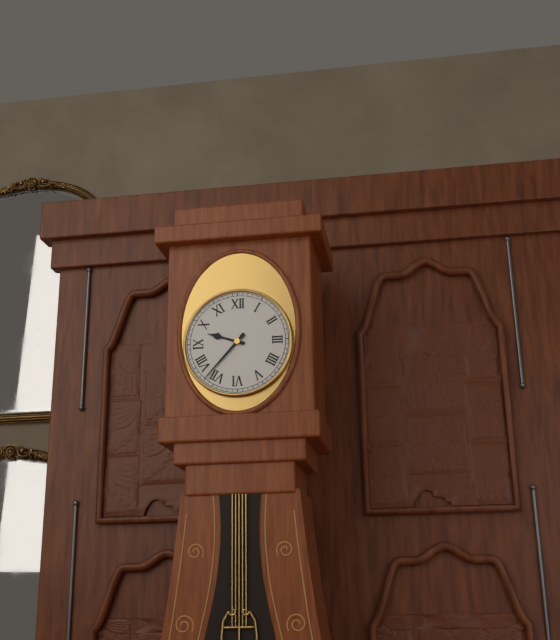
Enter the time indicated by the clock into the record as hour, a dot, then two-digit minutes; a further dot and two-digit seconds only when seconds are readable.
9.37
